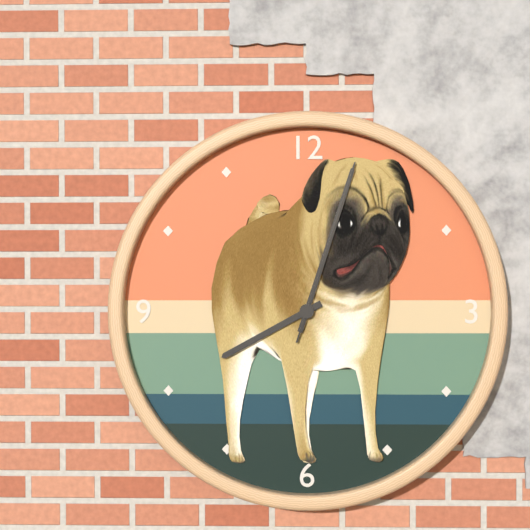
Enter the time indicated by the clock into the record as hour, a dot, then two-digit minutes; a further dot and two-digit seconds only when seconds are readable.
8.03.03
